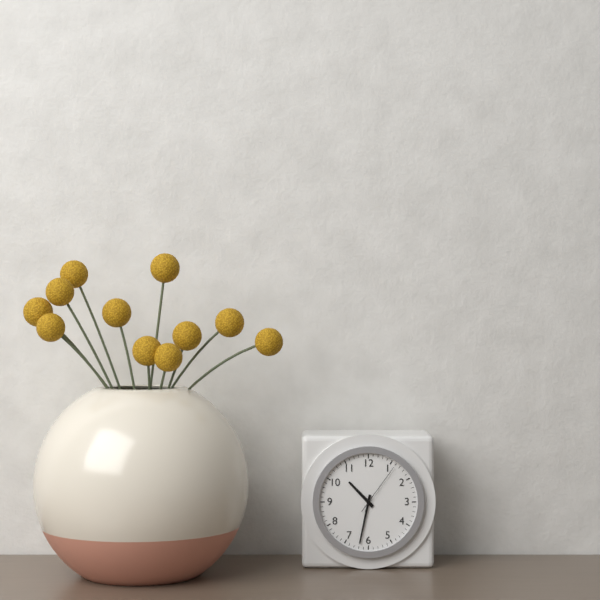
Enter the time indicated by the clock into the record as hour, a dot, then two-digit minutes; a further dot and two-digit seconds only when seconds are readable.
10.32.06
